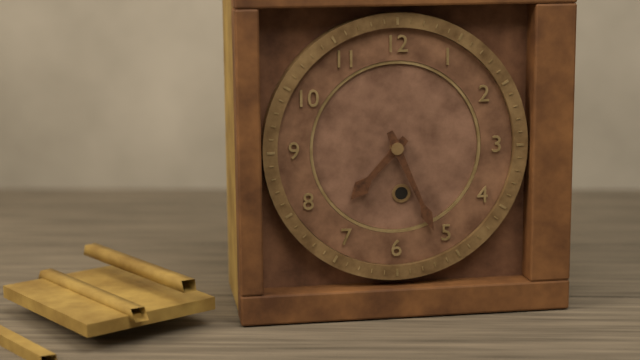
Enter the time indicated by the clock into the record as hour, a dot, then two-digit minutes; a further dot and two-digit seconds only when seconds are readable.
7.26
